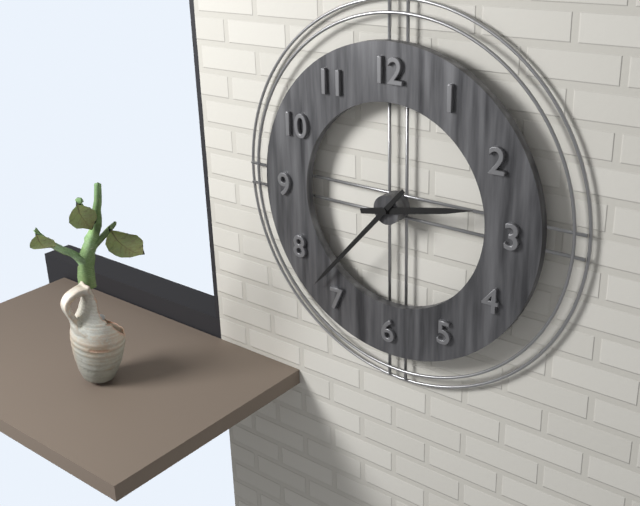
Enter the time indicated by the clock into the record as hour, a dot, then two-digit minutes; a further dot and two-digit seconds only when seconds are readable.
2.37
